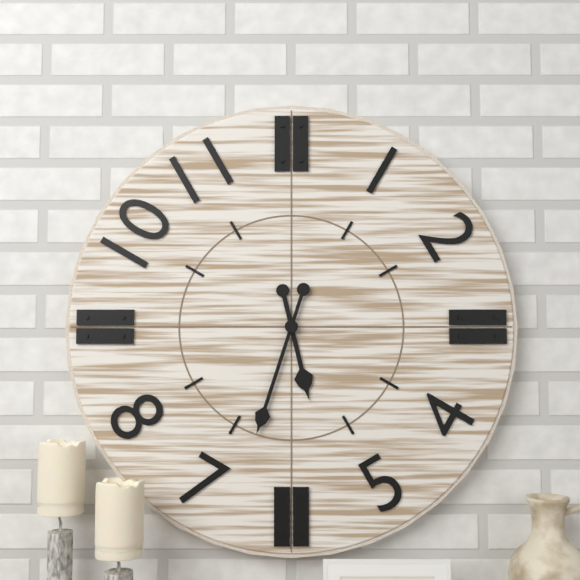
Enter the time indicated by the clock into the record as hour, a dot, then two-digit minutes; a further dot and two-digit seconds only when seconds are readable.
5.33
